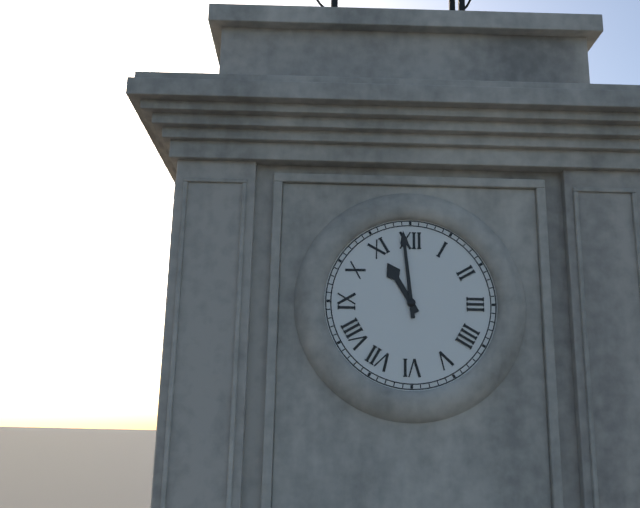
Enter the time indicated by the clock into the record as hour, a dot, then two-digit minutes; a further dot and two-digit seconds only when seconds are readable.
10.59
